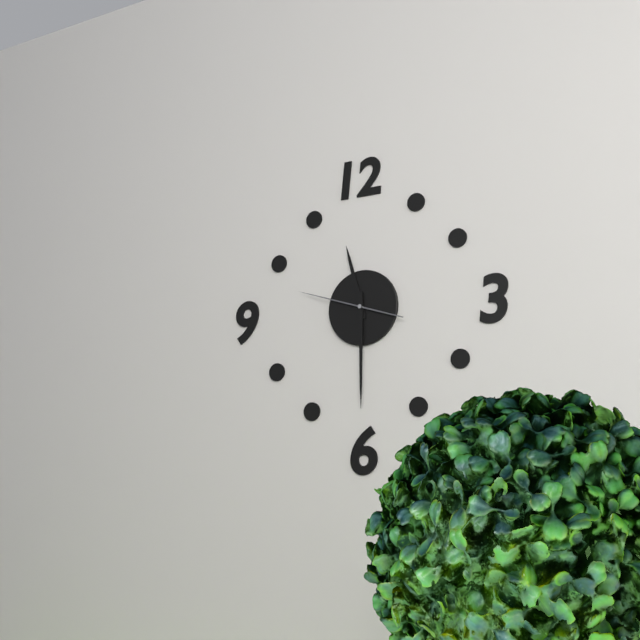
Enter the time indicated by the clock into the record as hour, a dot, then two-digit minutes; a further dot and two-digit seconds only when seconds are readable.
11.30.48
